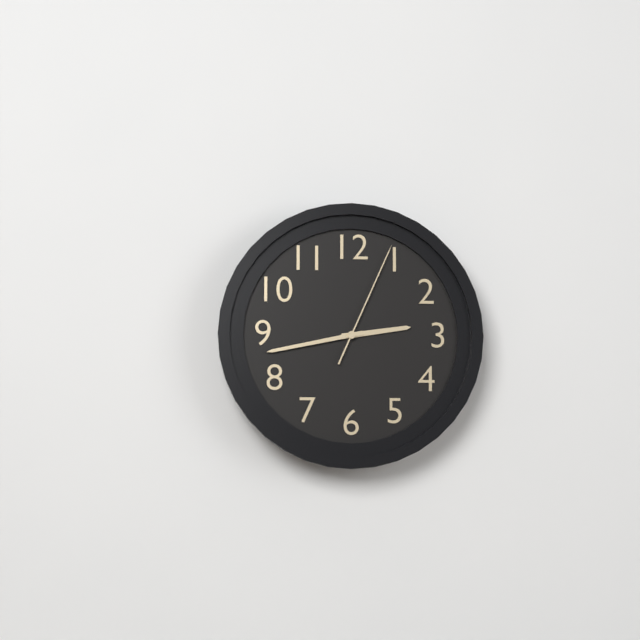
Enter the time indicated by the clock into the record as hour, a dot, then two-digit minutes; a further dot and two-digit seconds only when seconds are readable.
2.43.04
